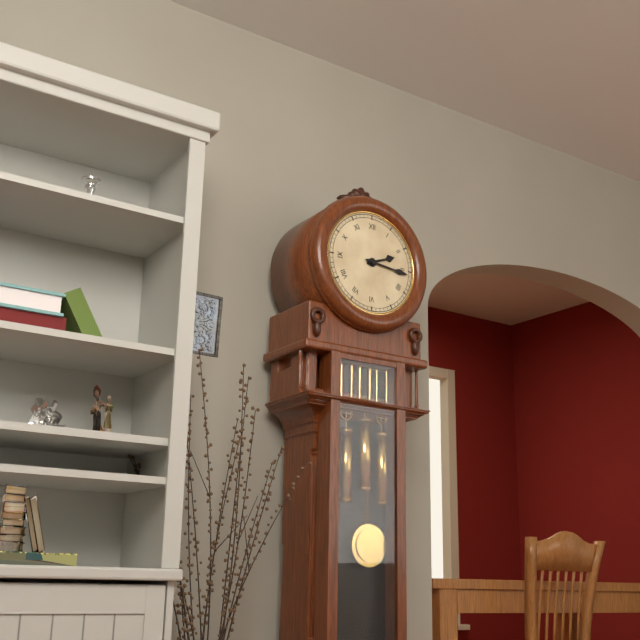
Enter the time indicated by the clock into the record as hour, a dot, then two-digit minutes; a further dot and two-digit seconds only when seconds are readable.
2.16
